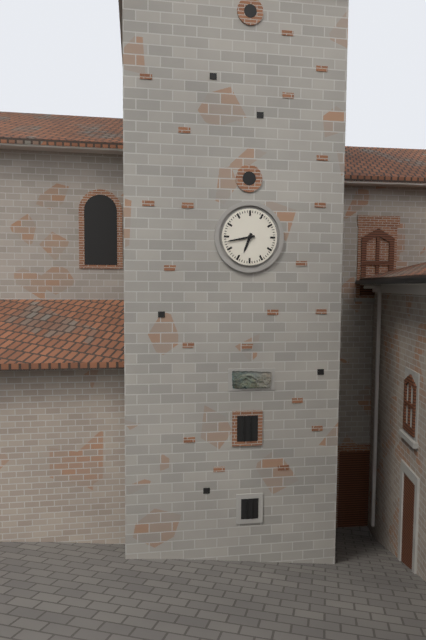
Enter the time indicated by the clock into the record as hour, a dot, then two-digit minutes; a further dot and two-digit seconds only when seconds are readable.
6.43
